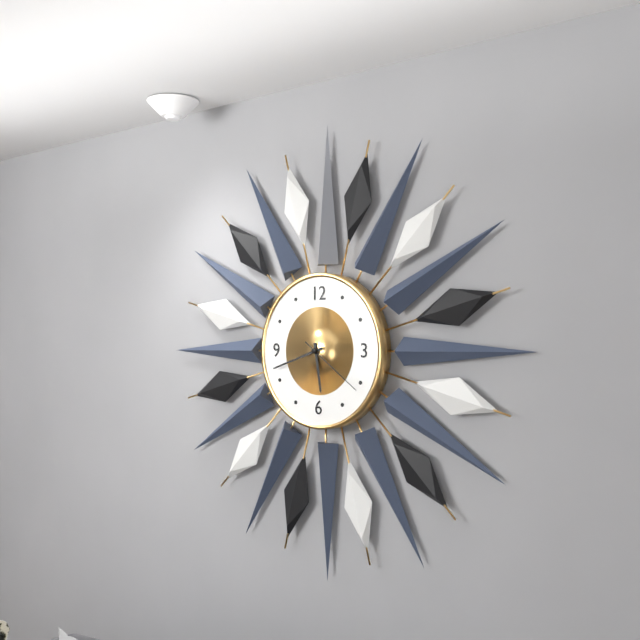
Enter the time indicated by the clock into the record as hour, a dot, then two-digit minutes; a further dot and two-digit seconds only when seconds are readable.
5.42.21
